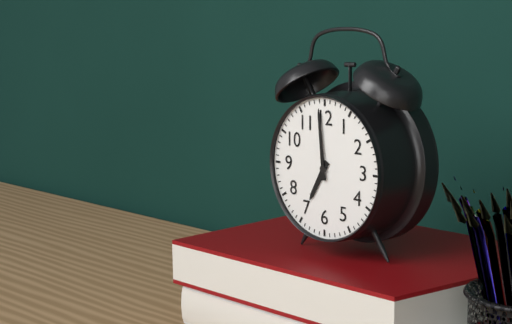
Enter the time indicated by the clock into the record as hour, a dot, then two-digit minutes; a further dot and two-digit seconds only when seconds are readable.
6.59
